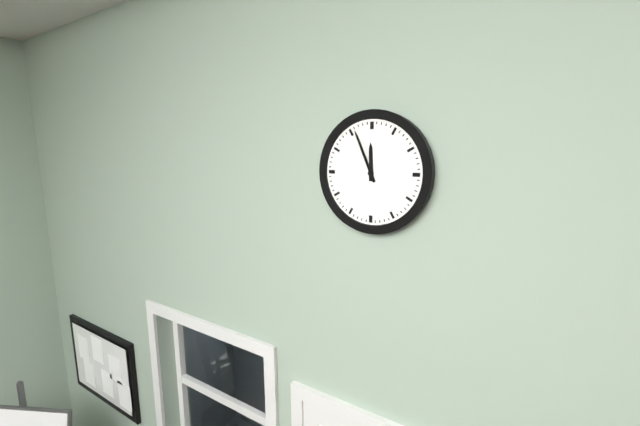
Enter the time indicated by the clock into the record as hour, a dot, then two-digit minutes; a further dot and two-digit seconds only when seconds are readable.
11.56
